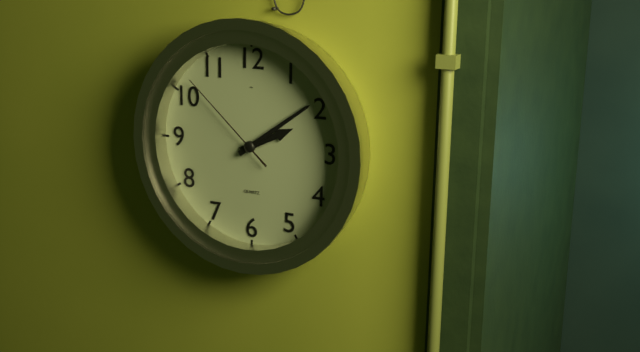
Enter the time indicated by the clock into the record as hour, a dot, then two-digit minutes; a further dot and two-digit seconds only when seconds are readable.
2.09.52
